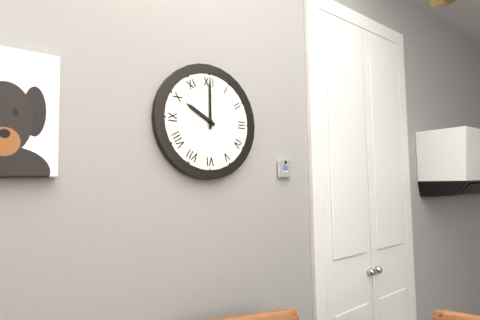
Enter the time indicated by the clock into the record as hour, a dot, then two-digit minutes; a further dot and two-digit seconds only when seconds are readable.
10.00
